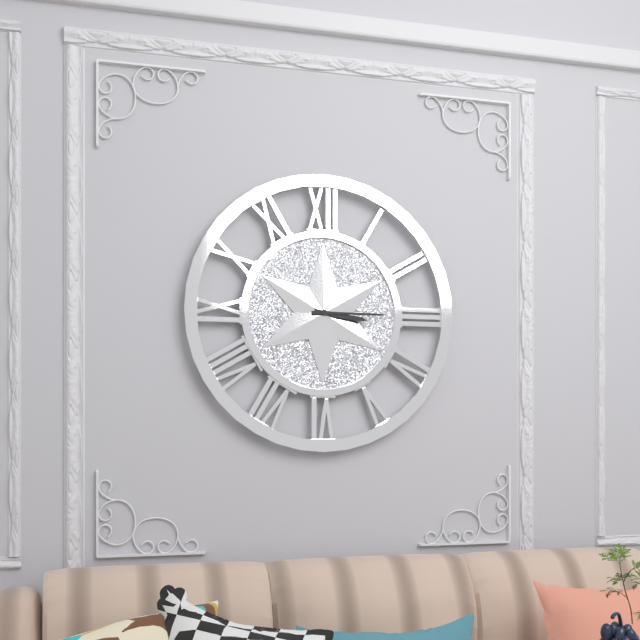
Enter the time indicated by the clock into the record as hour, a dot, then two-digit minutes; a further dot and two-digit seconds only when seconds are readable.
3.15
